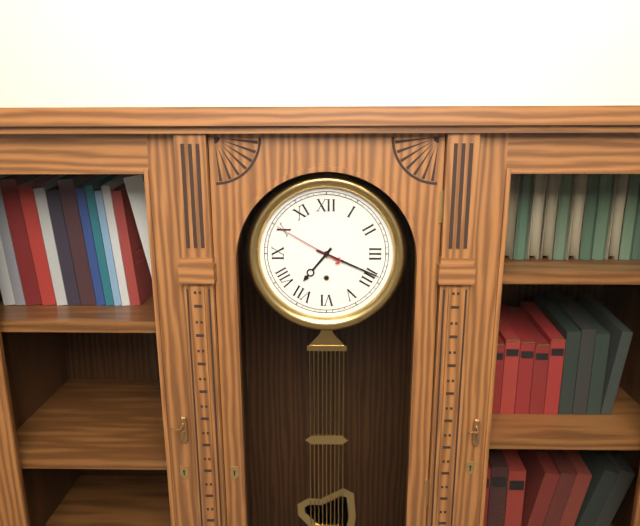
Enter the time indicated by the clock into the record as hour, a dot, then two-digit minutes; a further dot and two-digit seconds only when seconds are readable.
7.19.50
